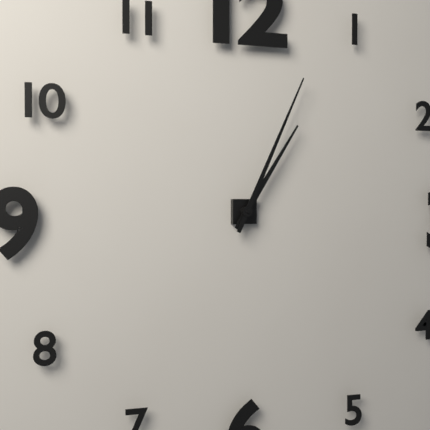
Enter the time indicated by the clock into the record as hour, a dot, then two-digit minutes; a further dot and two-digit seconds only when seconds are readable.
1.04
